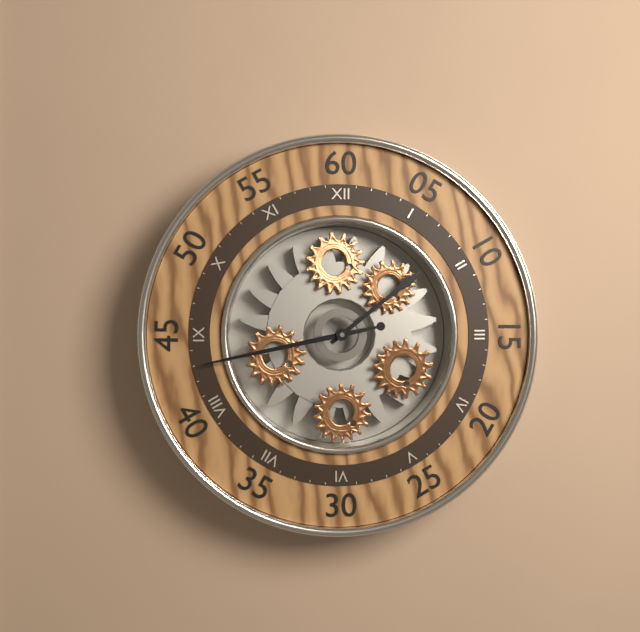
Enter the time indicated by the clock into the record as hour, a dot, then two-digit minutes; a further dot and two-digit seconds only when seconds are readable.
1.43
